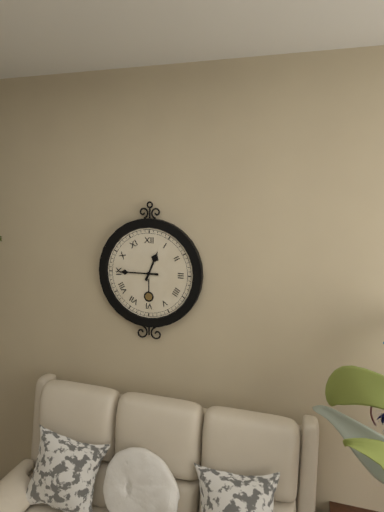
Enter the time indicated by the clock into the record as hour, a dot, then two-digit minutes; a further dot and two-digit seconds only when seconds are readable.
12.45
